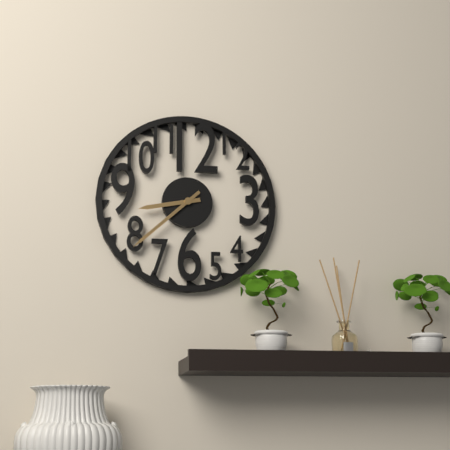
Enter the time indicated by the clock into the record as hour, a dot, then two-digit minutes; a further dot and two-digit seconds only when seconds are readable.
8.38
